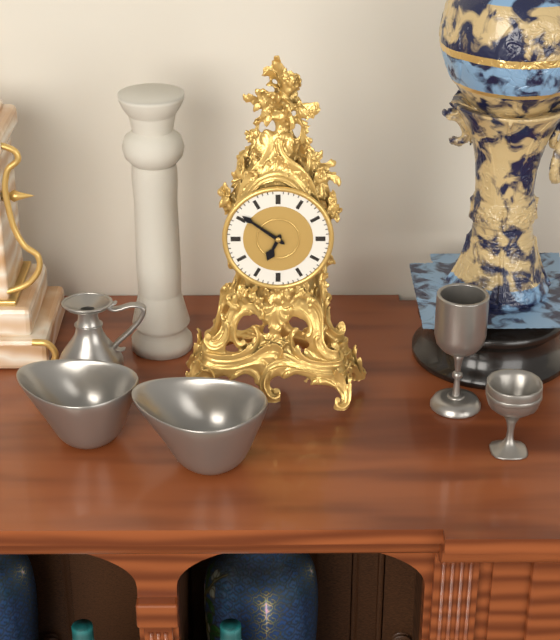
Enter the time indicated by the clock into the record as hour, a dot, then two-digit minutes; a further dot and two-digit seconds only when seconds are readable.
6.51
